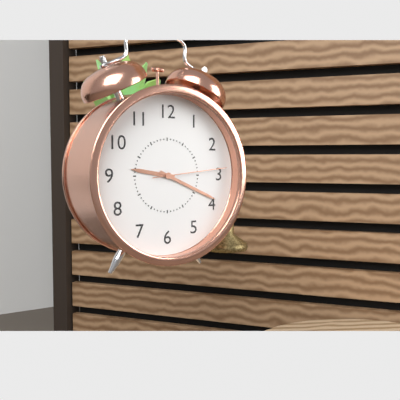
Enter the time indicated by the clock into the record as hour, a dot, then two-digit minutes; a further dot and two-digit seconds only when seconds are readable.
9.19.14
